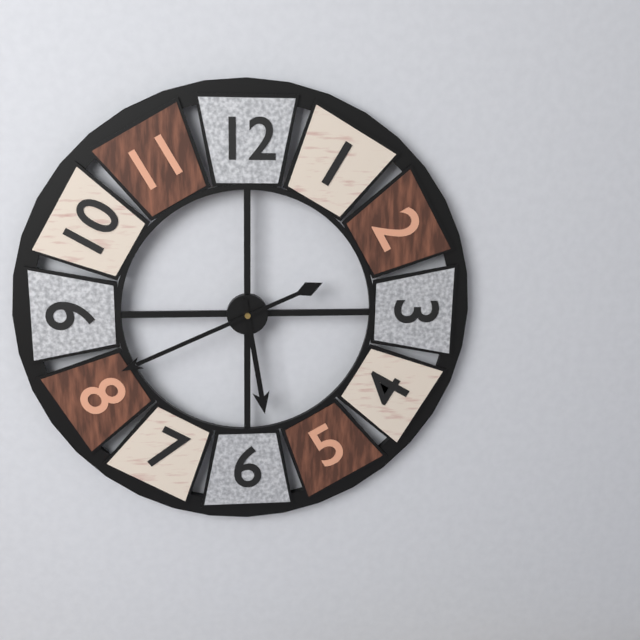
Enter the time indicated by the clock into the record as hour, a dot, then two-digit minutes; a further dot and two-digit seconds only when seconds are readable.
5.41
